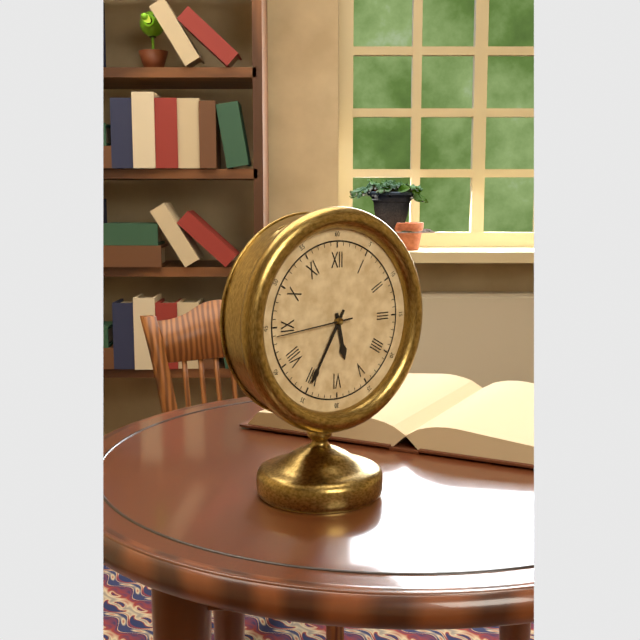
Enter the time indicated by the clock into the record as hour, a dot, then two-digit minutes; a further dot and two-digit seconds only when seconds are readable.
5.35.44
